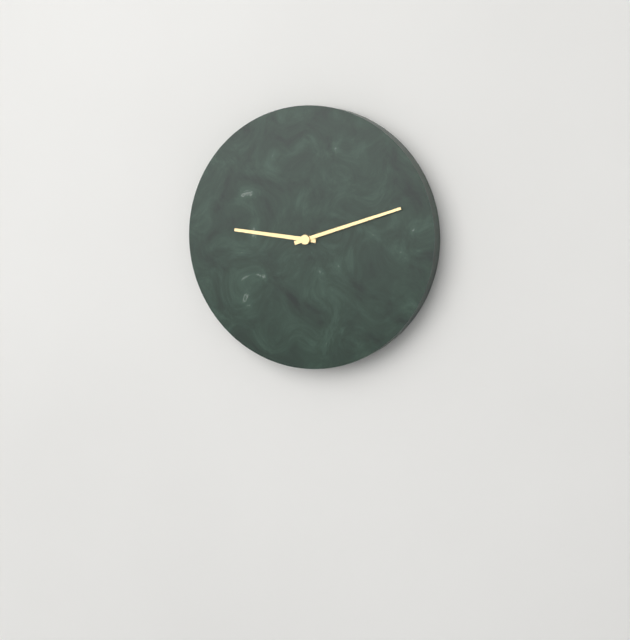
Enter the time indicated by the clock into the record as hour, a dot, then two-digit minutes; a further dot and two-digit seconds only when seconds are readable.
9.12
